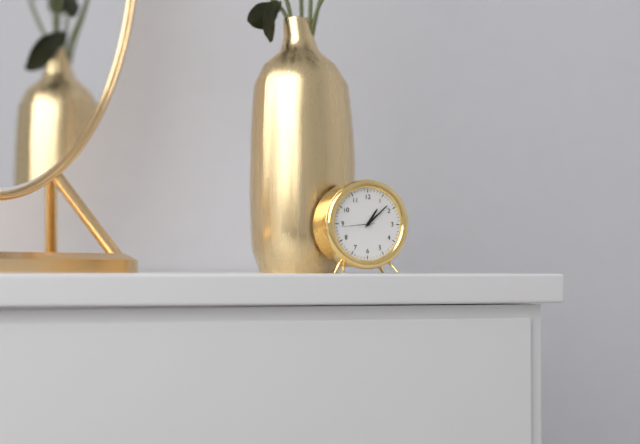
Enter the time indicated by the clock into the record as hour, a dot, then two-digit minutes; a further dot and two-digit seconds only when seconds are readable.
1.08
